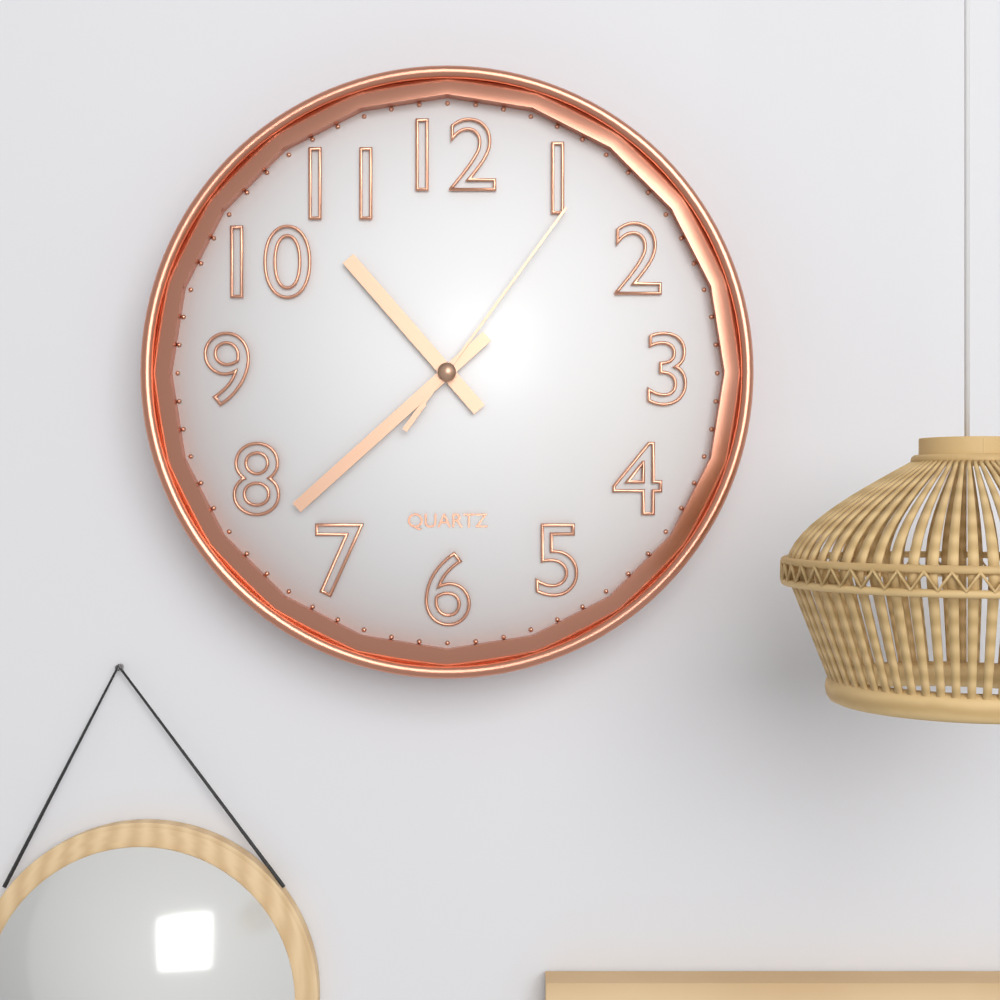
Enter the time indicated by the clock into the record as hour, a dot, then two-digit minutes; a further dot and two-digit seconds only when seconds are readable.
10.38.06
